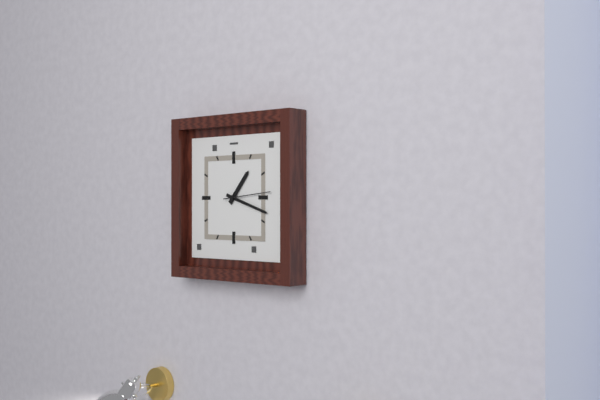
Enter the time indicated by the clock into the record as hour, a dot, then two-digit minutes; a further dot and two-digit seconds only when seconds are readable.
1.18
